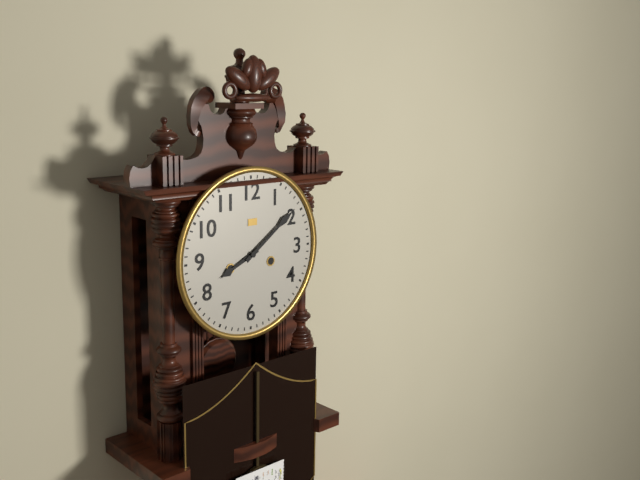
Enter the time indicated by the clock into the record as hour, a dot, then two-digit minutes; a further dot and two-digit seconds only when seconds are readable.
8.09
